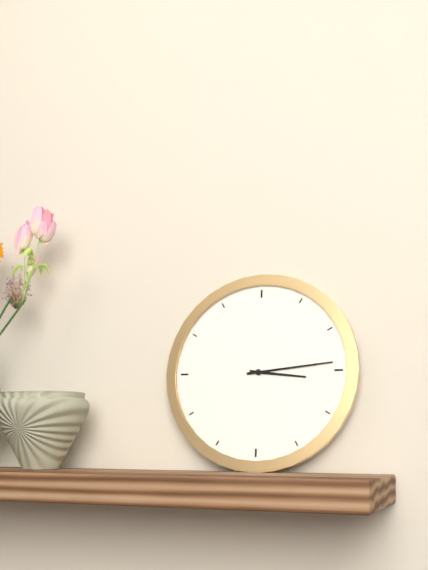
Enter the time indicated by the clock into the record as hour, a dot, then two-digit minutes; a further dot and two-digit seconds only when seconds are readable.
3.14
